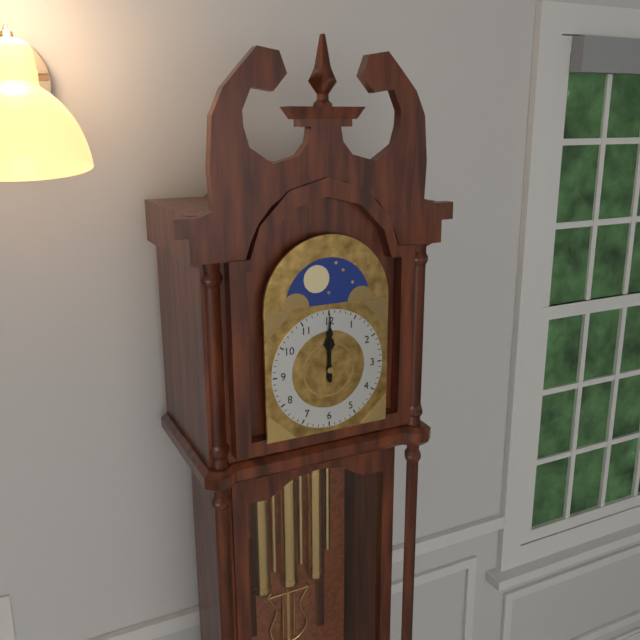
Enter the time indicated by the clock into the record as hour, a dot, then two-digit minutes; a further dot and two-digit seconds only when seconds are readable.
12.00
